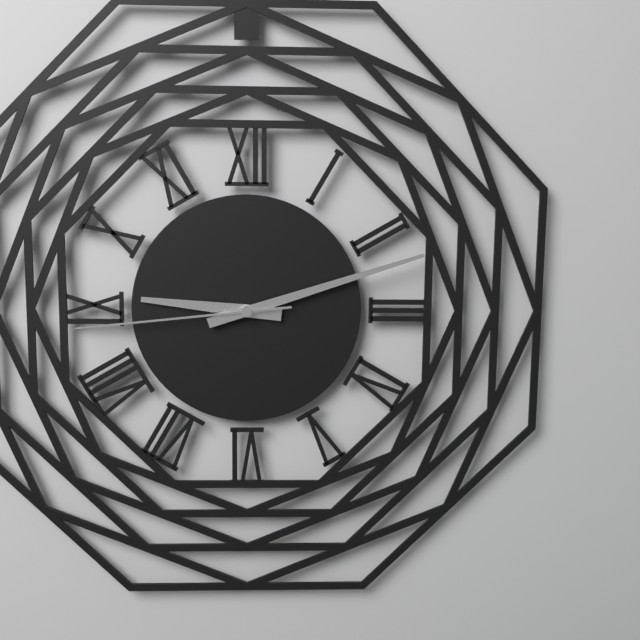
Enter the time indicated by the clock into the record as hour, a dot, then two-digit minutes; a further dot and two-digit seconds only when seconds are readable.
9.12.44
